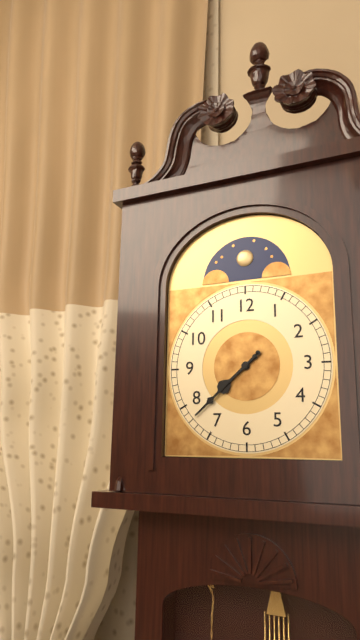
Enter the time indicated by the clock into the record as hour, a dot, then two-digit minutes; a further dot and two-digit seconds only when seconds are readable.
7.38
